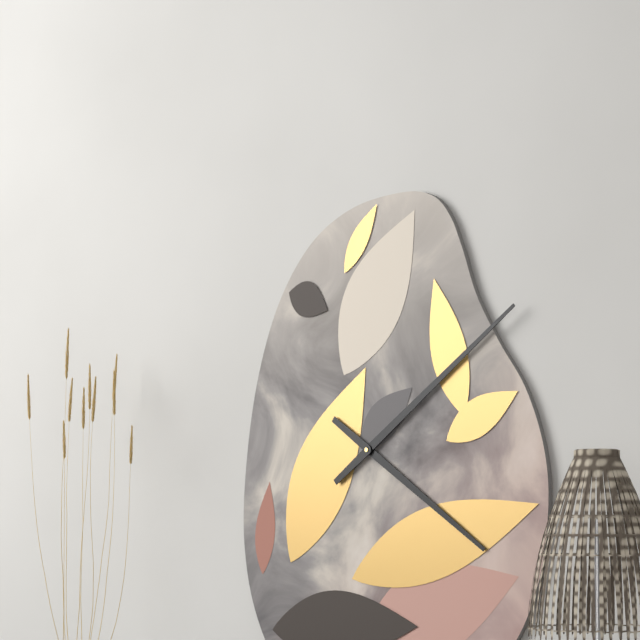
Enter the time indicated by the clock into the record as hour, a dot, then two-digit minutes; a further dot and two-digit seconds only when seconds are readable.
4.09
